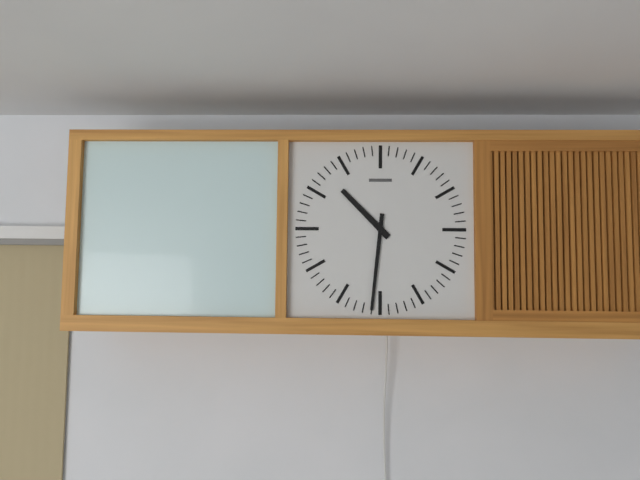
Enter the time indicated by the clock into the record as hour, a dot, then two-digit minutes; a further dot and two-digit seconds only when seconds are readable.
10.31
